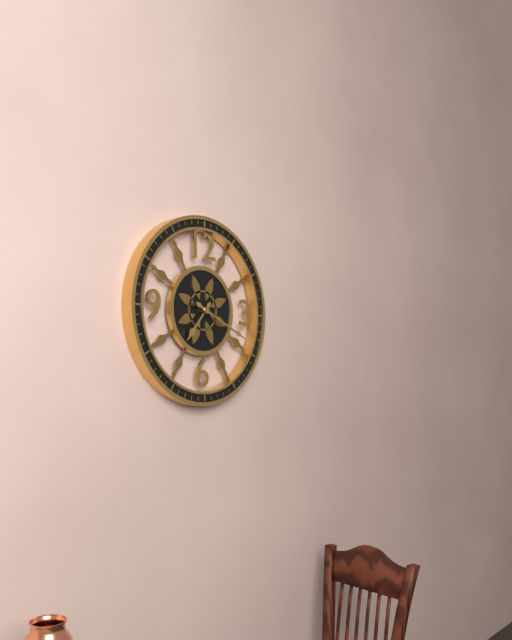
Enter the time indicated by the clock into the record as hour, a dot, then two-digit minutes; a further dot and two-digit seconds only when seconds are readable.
7.19
